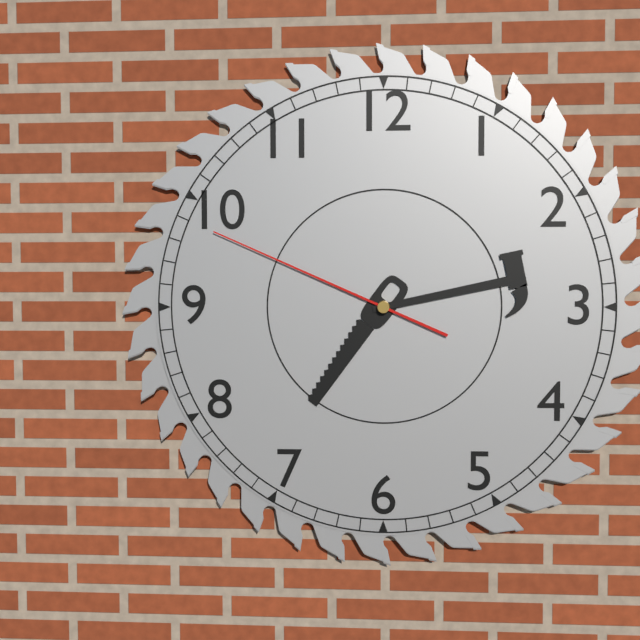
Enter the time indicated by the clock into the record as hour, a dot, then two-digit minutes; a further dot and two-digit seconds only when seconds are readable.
7.13.49
